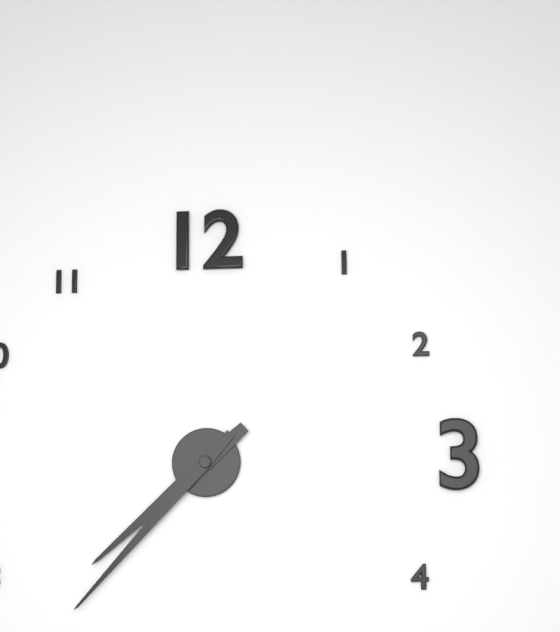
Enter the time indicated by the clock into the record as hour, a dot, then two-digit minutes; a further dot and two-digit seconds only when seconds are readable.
7.37
